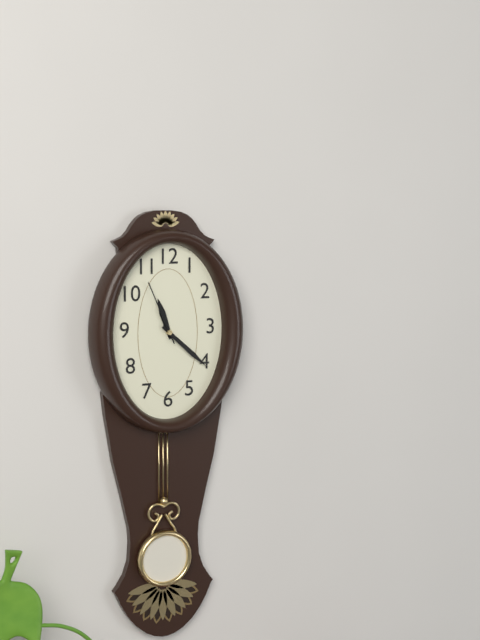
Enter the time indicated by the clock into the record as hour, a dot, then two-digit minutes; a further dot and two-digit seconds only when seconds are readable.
11.22.56
